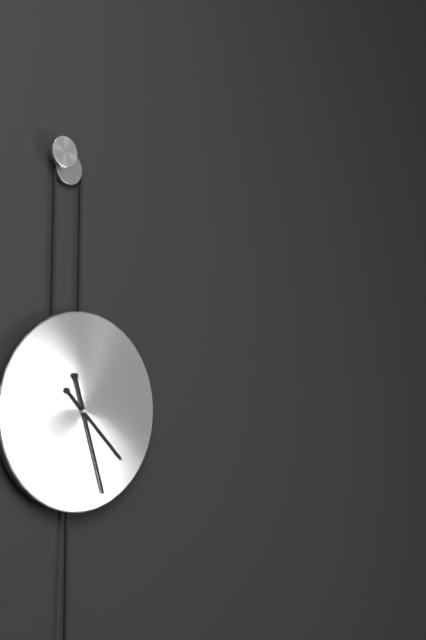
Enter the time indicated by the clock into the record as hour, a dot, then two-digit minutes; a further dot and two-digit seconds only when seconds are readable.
4.27
